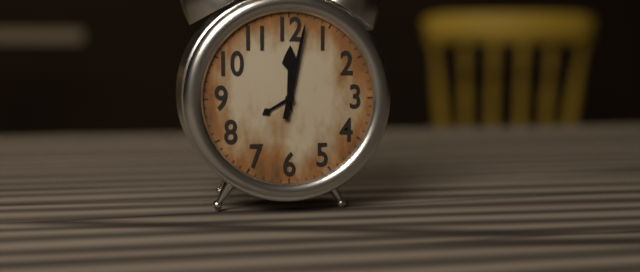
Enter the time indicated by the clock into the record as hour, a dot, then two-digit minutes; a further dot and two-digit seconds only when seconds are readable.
12.02
